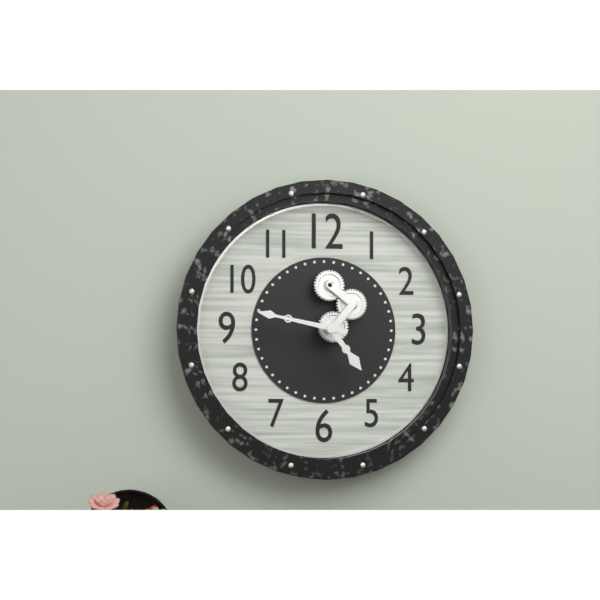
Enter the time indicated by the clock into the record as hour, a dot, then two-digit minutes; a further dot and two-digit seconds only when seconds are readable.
4.47
